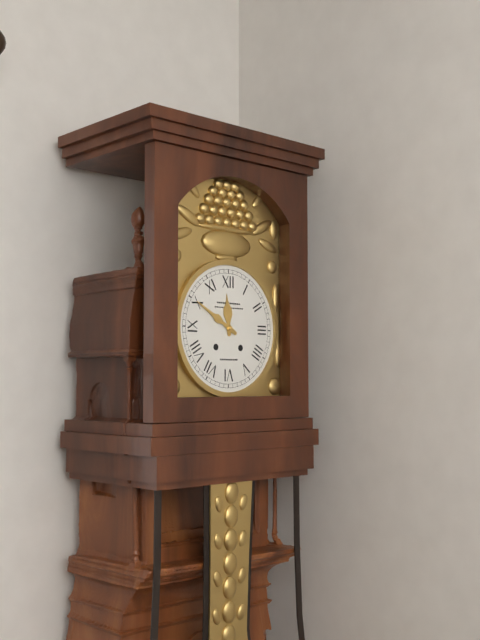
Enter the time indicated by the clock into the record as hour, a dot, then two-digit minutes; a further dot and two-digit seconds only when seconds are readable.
11.50
